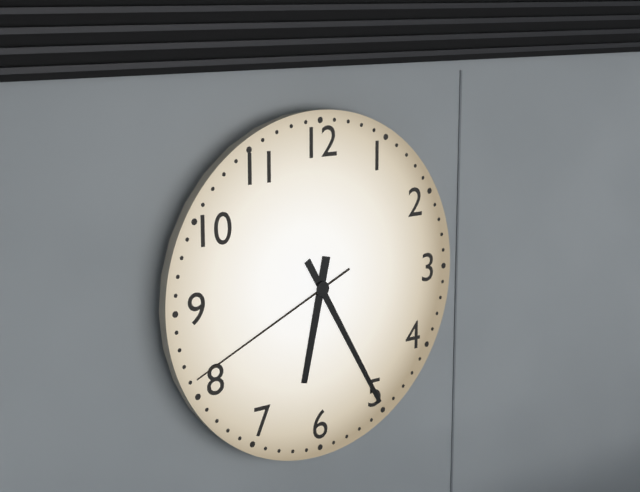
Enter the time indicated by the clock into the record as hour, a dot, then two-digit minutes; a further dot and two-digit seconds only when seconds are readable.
6.25.41
